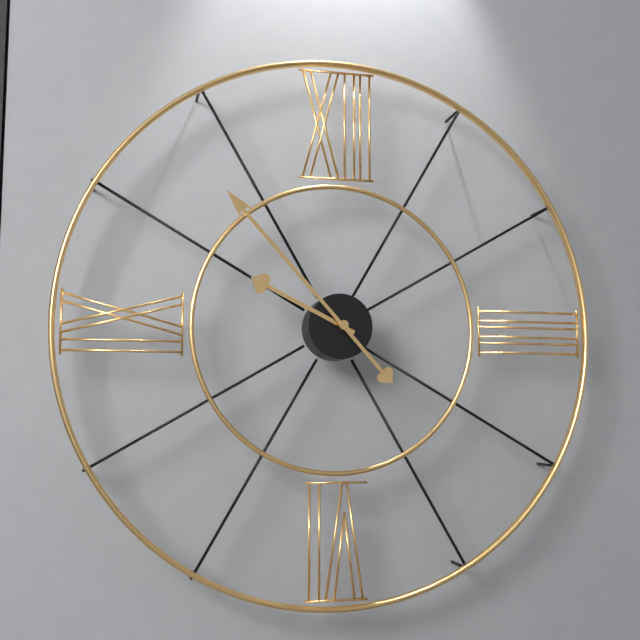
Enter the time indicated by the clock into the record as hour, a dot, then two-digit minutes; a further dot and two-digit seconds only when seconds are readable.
9.53
